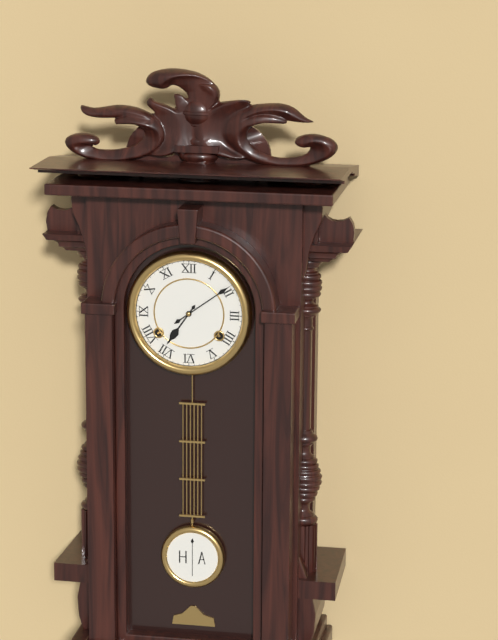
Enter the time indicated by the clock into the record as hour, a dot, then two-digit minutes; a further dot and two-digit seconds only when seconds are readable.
7.09
